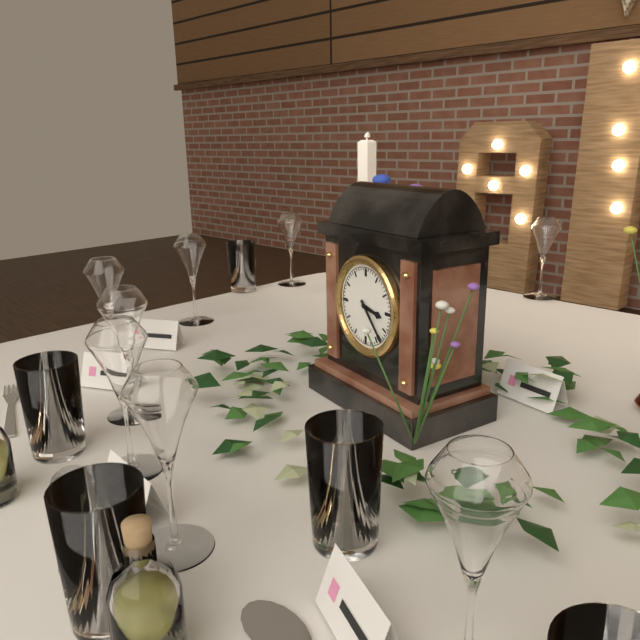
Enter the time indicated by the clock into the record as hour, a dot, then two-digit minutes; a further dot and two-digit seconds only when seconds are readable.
3.23
